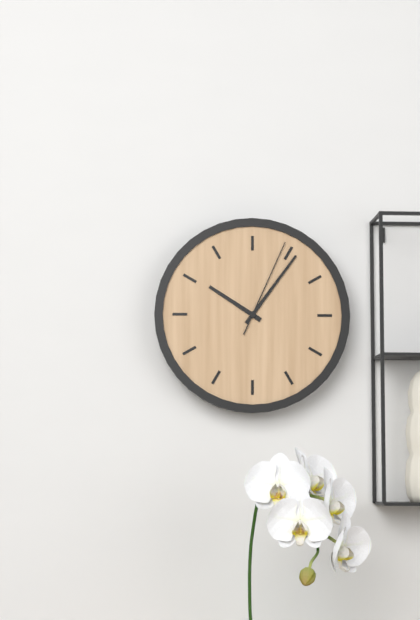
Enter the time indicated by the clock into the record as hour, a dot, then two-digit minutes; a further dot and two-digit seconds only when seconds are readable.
10.06.04
